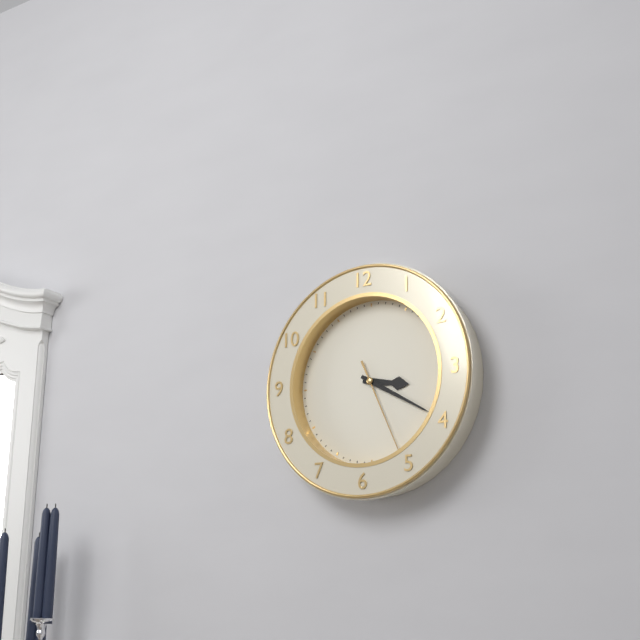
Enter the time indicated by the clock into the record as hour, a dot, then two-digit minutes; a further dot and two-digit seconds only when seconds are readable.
3.20.26
